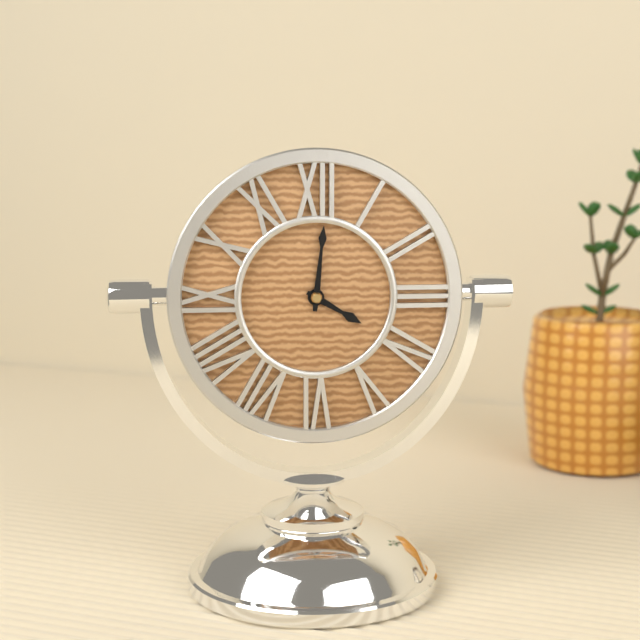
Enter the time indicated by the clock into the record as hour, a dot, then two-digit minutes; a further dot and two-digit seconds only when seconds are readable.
4.01
